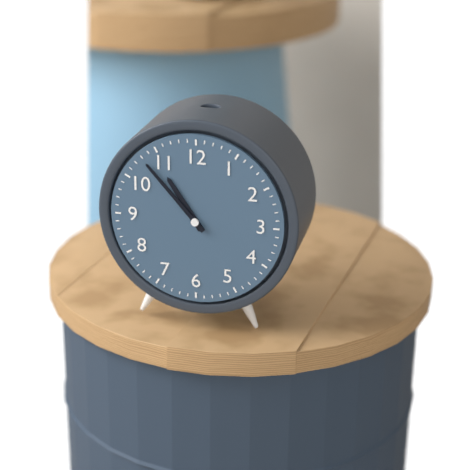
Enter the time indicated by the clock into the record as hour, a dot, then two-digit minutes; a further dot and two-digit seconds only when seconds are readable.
10.53
